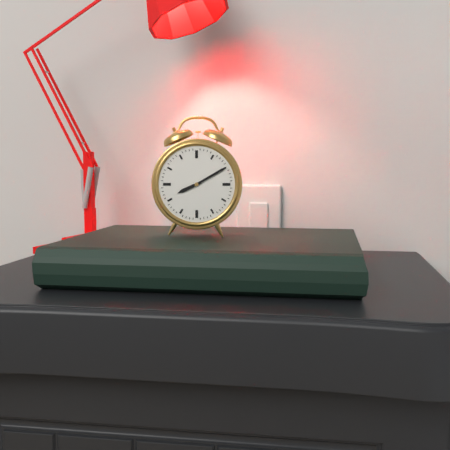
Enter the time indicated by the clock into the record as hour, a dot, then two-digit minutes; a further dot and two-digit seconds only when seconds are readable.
8.10
